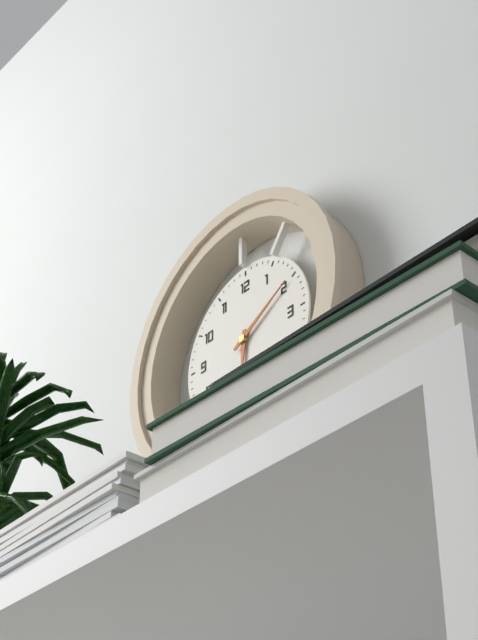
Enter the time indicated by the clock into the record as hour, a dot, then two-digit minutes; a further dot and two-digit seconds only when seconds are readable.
6.10
